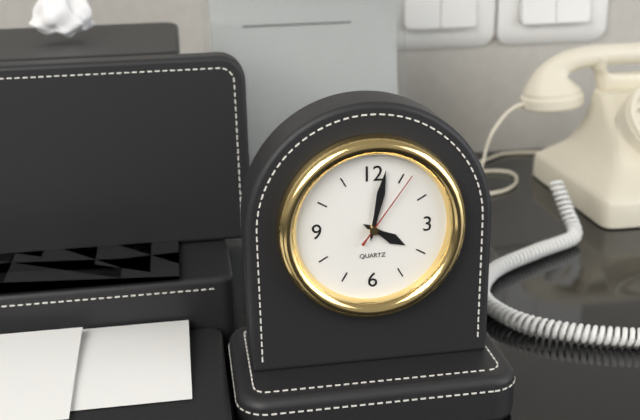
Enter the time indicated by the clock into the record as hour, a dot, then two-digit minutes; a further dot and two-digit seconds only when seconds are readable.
4.02.06
